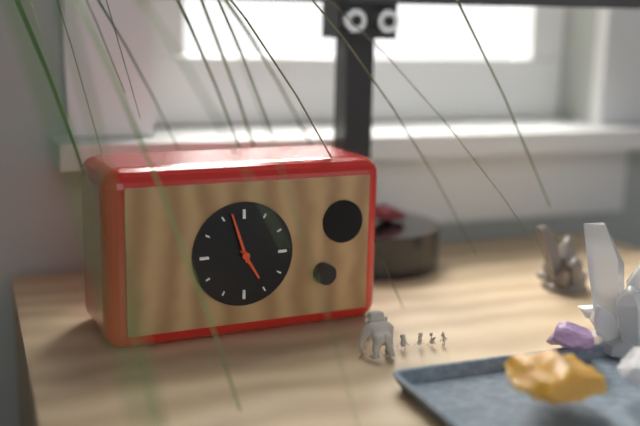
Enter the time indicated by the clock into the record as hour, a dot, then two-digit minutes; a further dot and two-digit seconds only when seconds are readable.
4.57
